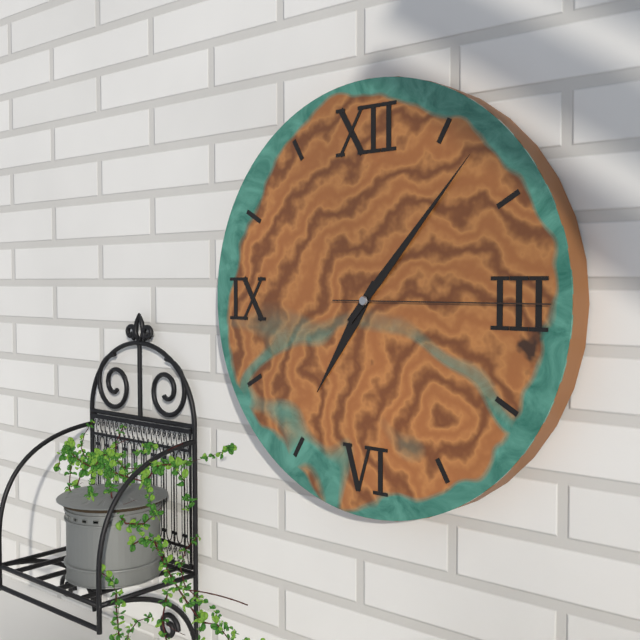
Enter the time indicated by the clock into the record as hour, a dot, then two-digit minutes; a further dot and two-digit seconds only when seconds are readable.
7.07.15
